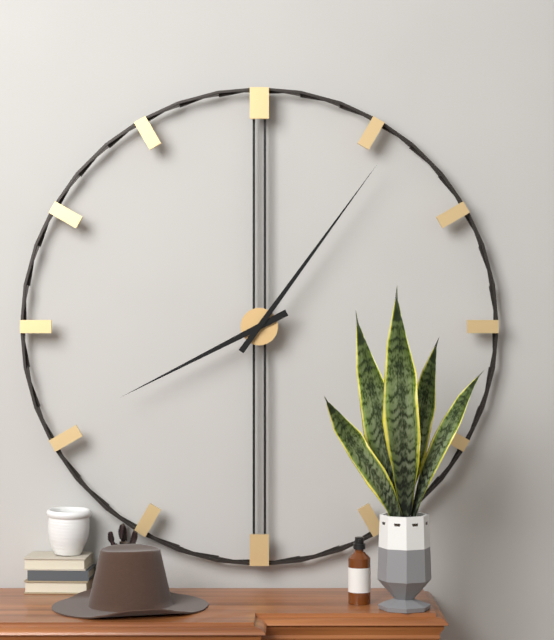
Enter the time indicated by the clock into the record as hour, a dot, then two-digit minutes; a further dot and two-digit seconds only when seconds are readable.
8.06
